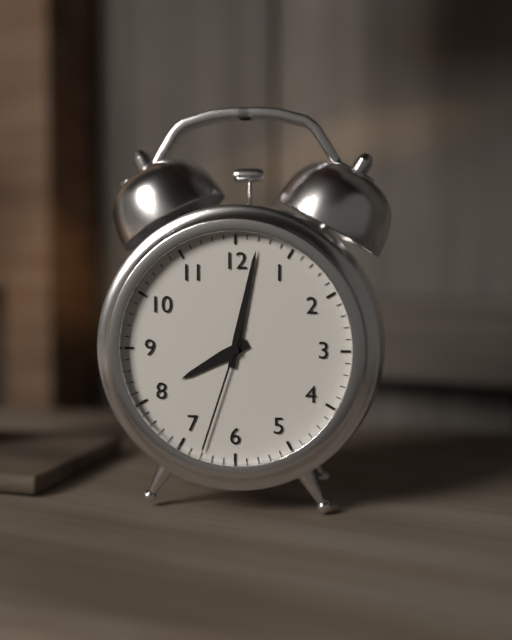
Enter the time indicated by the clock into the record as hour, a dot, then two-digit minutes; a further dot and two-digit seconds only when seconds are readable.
8.02.33
